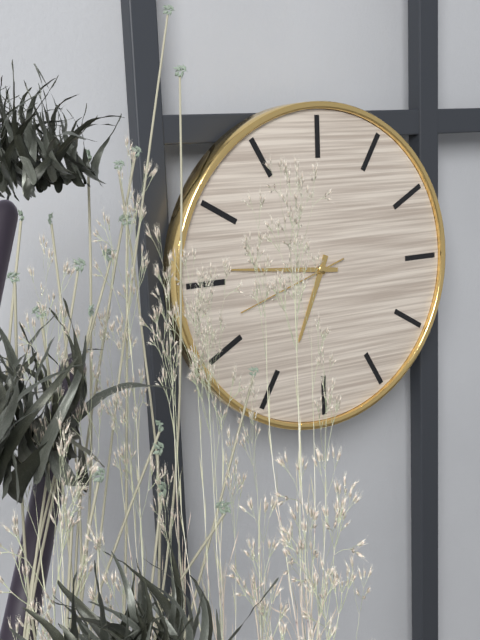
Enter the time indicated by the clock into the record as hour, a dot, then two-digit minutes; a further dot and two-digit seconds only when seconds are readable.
6.46.42
